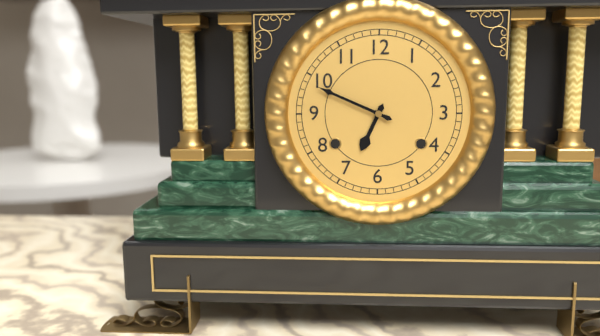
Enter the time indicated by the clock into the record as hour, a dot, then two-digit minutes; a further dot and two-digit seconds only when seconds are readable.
6.49
